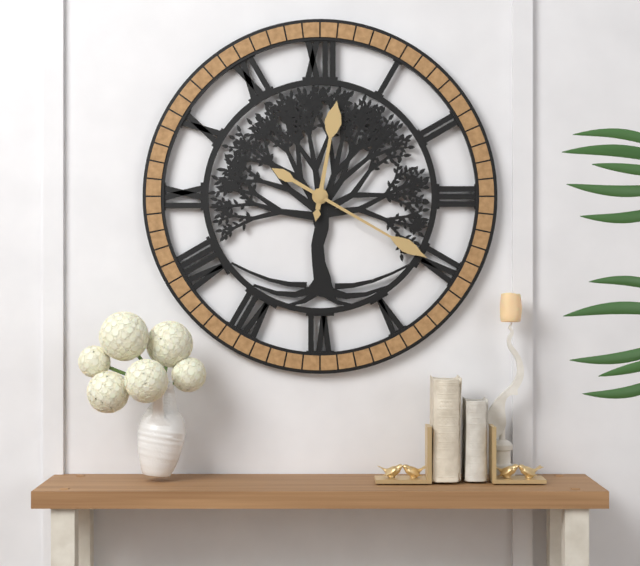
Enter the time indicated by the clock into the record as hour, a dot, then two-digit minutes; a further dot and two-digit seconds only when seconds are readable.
12.20
